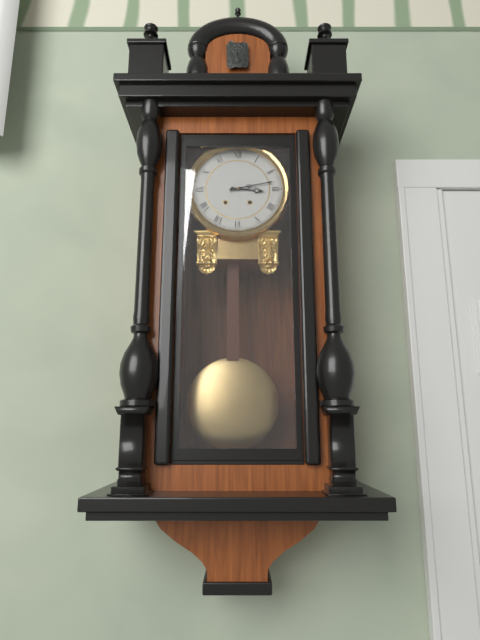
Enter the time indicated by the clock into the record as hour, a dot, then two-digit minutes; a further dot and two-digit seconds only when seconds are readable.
3.13
